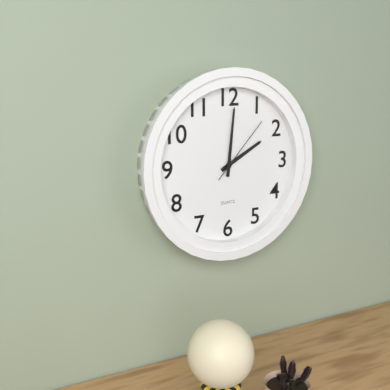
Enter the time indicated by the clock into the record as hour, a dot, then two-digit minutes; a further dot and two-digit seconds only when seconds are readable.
2.01.07
